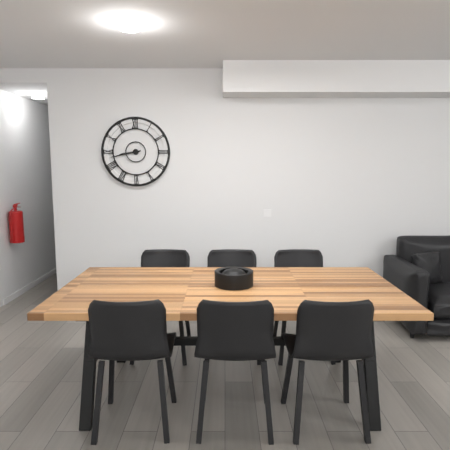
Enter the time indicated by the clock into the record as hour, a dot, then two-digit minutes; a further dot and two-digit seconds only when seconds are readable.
8.43
